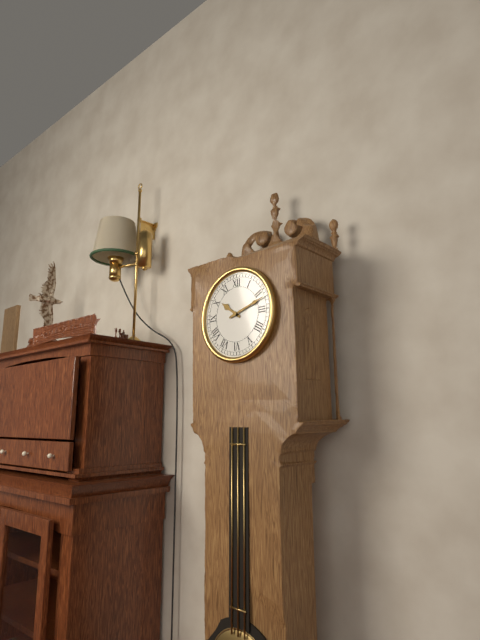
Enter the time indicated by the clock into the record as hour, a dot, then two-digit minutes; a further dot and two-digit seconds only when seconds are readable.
10.12
